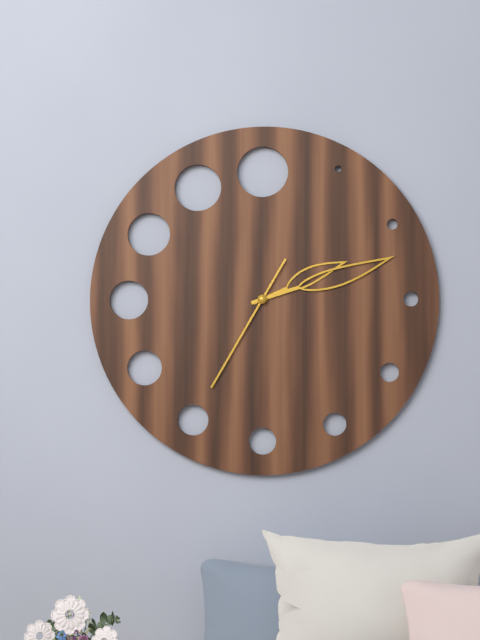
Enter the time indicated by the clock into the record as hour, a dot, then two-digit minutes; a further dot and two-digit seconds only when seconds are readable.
2.12.35
